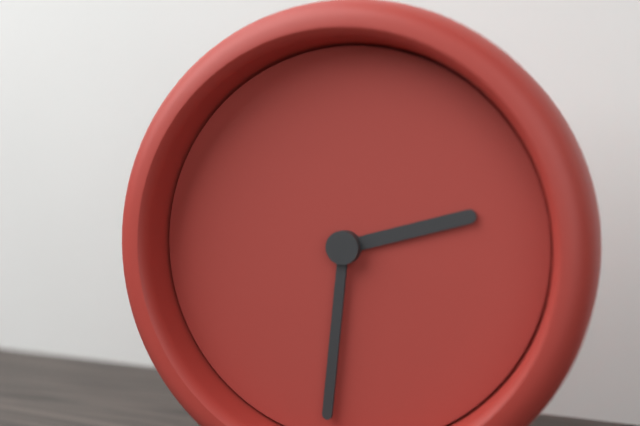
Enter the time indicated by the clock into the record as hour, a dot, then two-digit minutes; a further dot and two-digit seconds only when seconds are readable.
2.31
